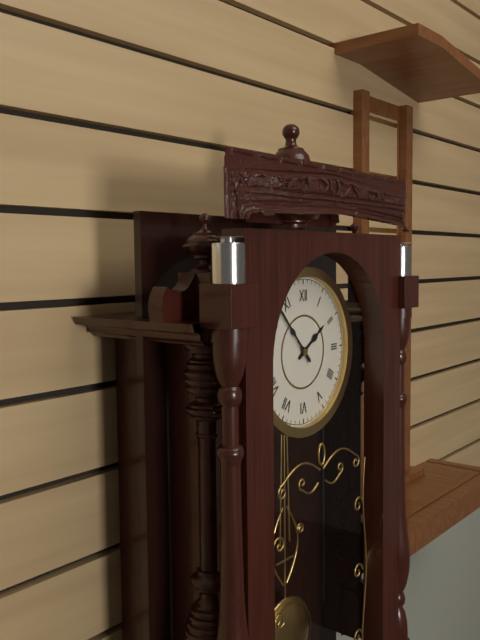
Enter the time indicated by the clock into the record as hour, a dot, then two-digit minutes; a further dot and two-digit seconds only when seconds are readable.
1.53
